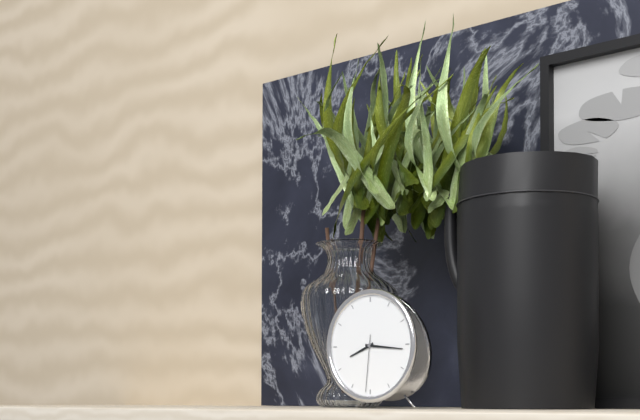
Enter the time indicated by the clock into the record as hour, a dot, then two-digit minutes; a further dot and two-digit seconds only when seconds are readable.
8.16.31
